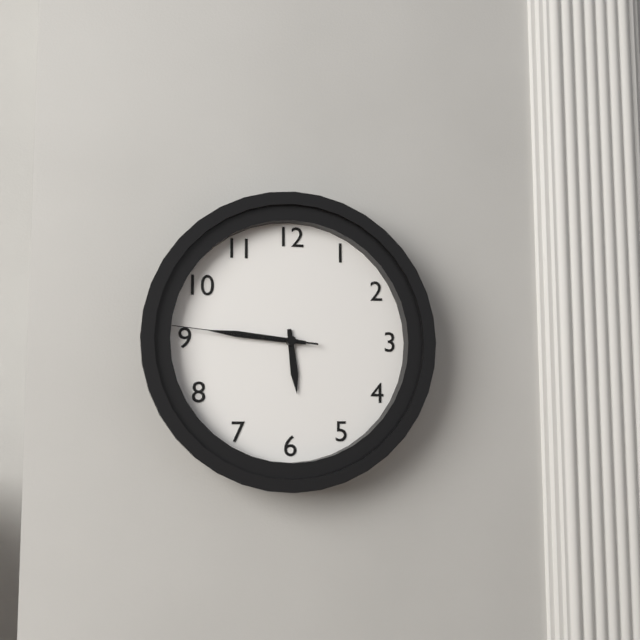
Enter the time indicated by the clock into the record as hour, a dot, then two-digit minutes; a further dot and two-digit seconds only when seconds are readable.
5.46.46
